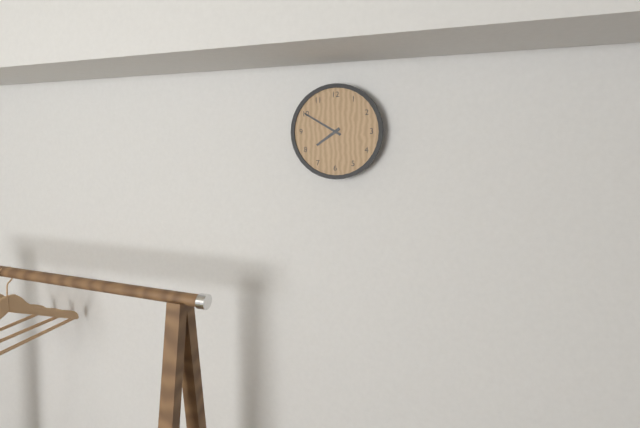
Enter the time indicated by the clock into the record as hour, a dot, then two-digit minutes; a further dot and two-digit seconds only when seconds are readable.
7.50
